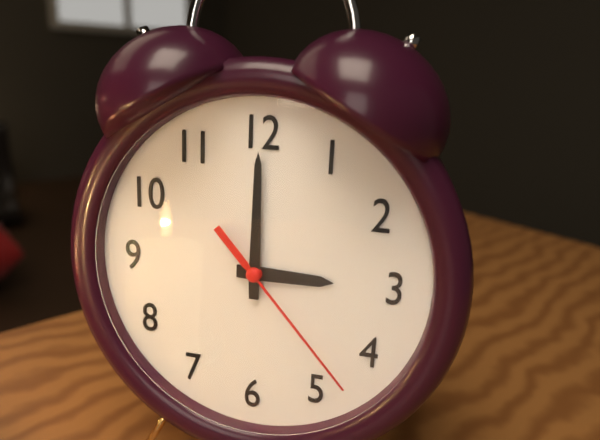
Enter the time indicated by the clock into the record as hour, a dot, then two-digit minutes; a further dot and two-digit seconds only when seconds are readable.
3.00.23
